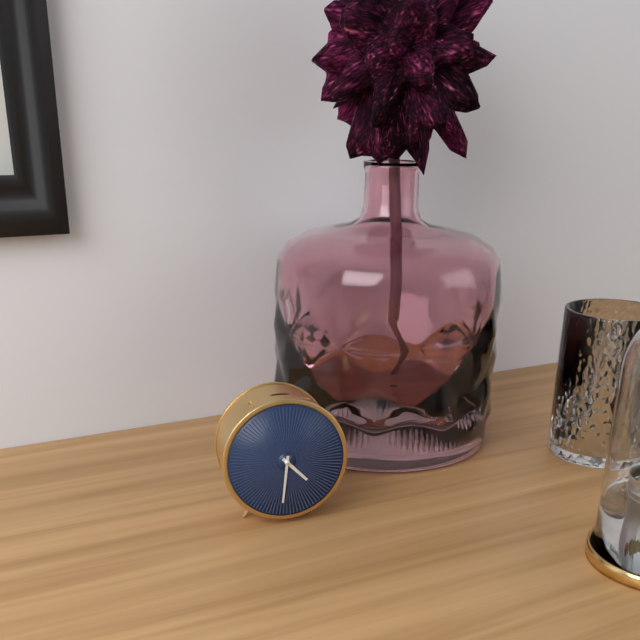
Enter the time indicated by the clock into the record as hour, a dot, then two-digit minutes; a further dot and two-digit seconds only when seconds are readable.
4.31
